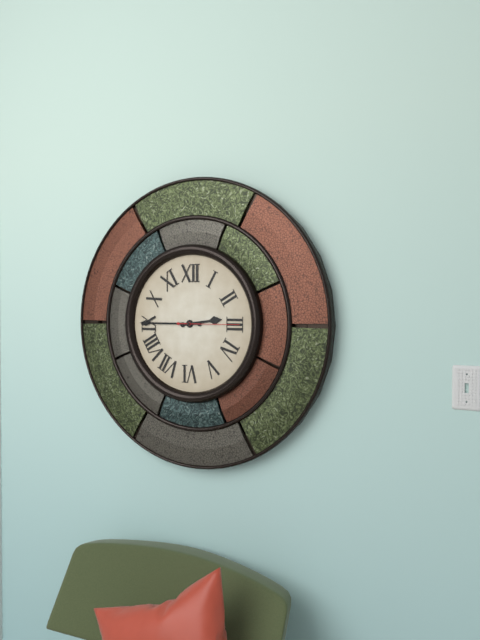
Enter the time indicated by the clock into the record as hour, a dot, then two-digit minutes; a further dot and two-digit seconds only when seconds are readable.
2.45.15
